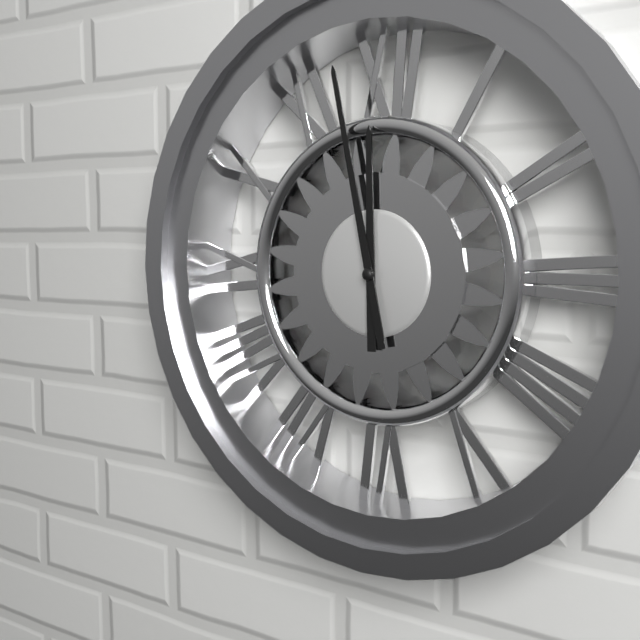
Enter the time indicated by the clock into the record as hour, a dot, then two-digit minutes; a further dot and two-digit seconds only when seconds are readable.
11.58
